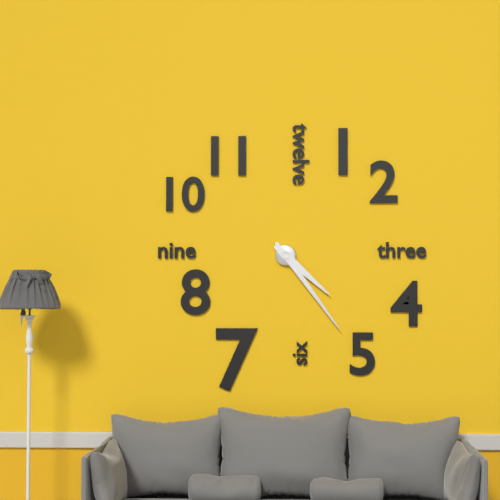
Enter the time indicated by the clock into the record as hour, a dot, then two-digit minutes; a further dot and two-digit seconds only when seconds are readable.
4.24
